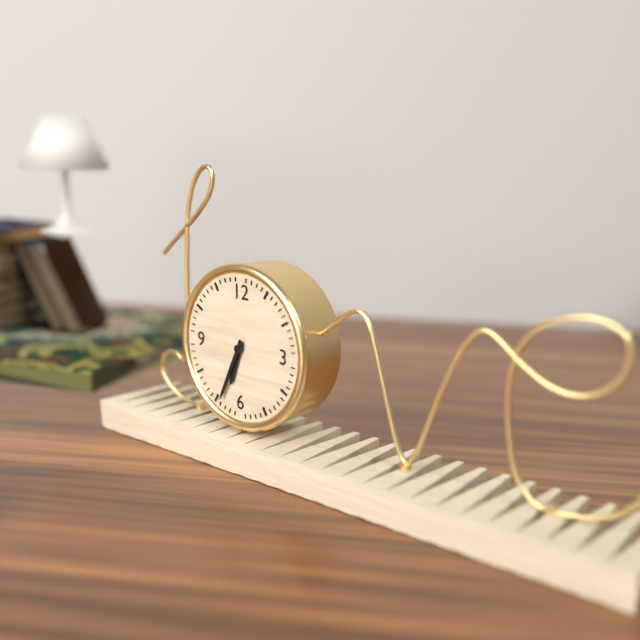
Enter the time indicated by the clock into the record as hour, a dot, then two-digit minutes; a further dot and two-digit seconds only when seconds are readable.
6.34
